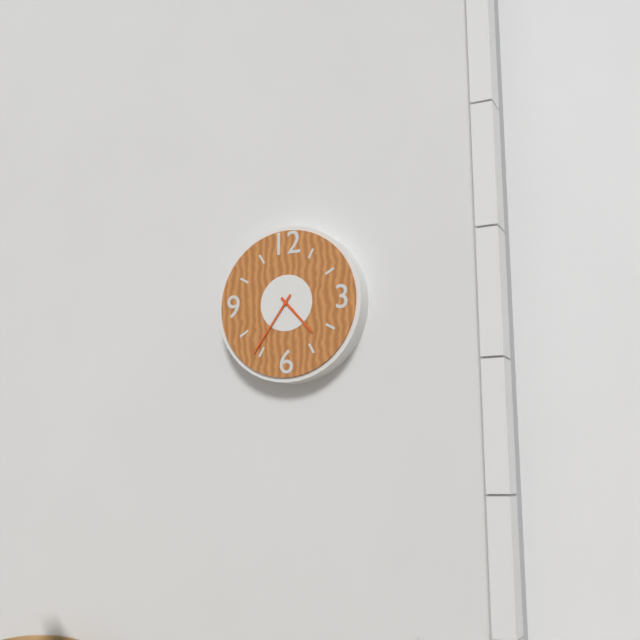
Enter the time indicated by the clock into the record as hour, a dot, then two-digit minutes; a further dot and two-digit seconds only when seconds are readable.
4.36
